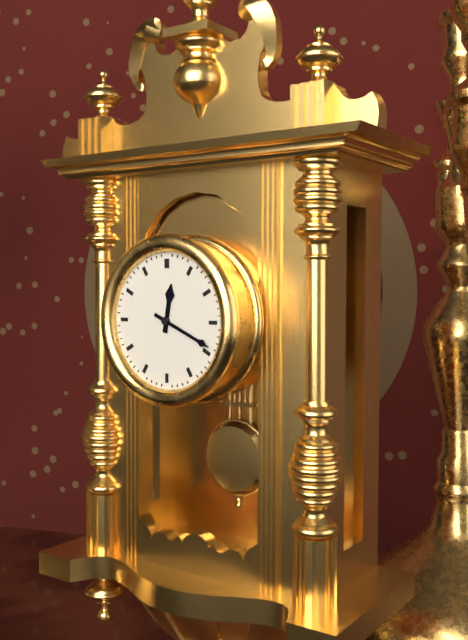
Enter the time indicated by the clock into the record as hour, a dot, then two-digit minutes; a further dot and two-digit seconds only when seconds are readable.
12.19
